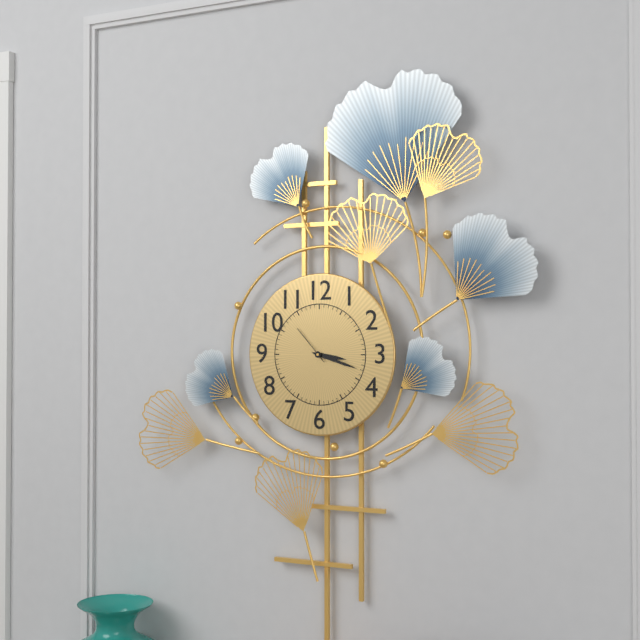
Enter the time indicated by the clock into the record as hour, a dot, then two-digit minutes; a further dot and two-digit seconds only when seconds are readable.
3.18
